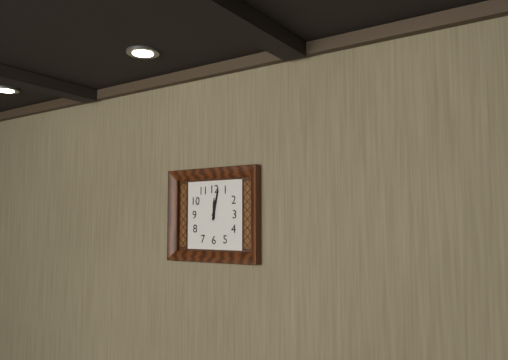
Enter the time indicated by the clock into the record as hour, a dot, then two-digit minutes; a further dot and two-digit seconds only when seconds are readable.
12.02
